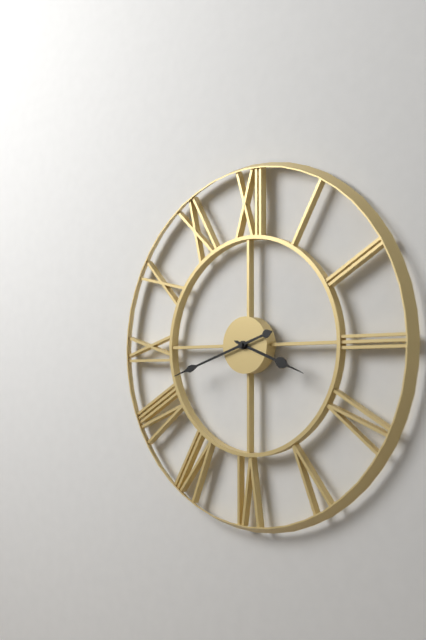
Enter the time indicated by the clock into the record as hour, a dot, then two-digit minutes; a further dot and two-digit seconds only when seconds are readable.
3.42
